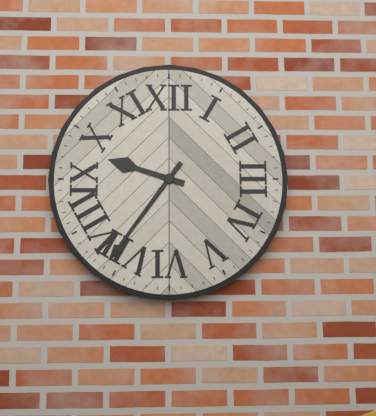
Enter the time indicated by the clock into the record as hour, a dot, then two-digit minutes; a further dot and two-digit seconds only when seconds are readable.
9.36
